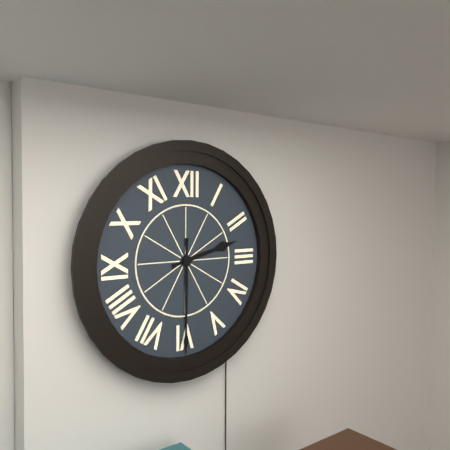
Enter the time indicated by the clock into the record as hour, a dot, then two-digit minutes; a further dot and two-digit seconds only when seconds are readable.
2.30
